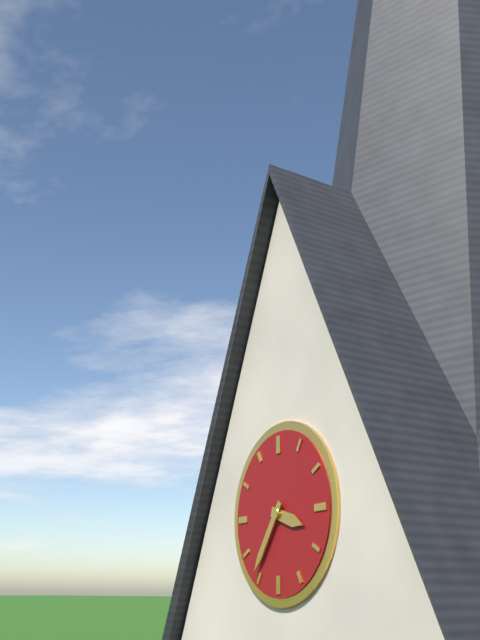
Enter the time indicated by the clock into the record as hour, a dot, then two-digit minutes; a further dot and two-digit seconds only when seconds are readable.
3.36
